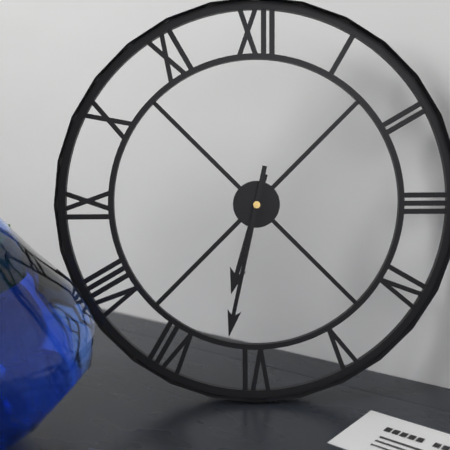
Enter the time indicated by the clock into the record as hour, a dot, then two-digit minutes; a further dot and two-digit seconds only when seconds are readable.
6.32
